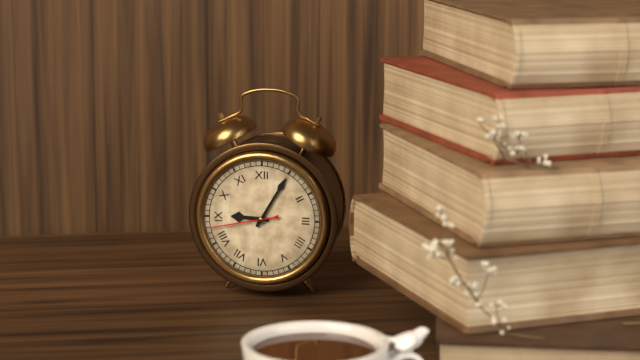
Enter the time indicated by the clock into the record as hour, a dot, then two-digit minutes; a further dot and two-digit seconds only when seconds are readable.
9.05.43
